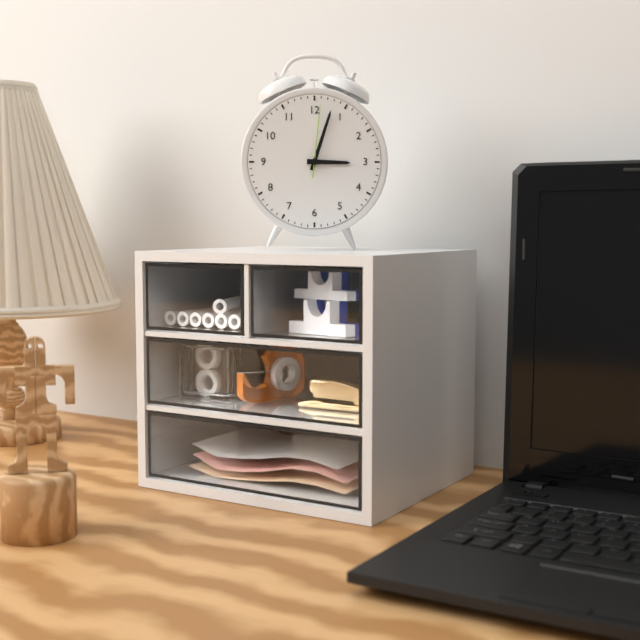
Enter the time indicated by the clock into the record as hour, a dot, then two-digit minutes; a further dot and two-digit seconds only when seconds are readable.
3.03.01
